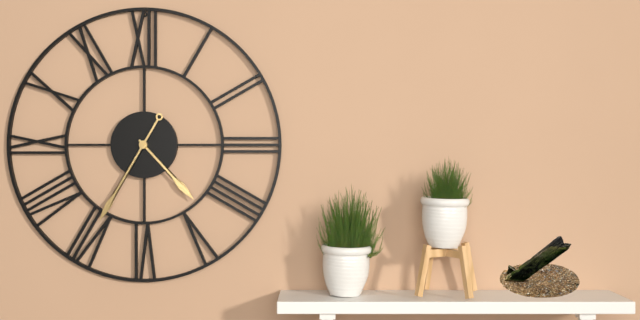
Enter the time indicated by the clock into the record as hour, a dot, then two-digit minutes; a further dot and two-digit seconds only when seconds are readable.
4.35
